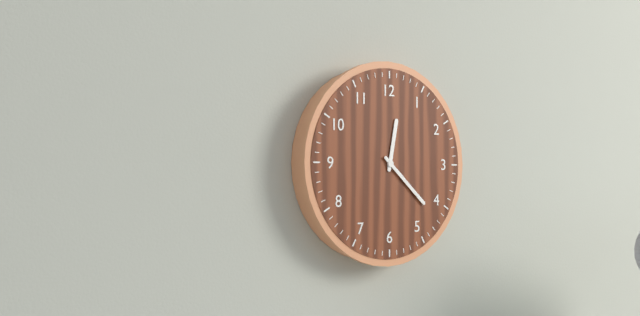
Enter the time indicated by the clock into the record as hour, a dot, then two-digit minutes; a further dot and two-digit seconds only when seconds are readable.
12.22
